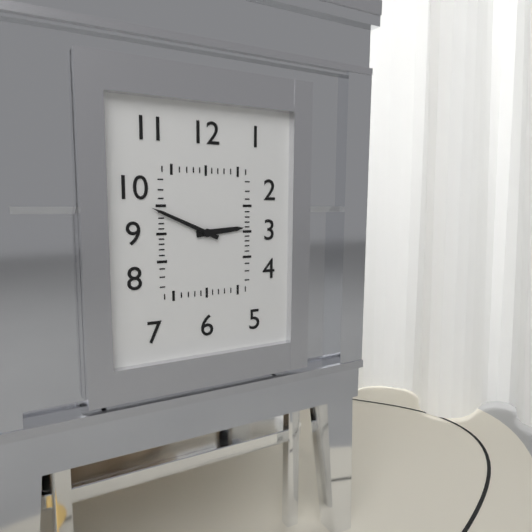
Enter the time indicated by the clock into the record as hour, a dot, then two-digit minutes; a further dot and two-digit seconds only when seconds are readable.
2.49
